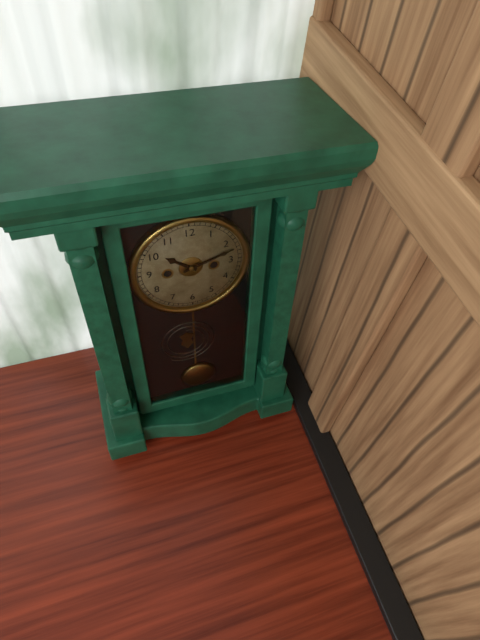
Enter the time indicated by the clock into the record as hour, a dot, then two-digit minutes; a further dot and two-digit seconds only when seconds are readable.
10.12
